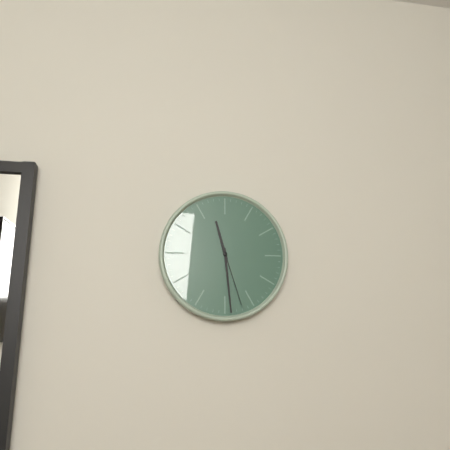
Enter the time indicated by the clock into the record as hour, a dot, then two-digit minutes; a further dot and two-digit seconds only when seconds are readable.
11.29.27
